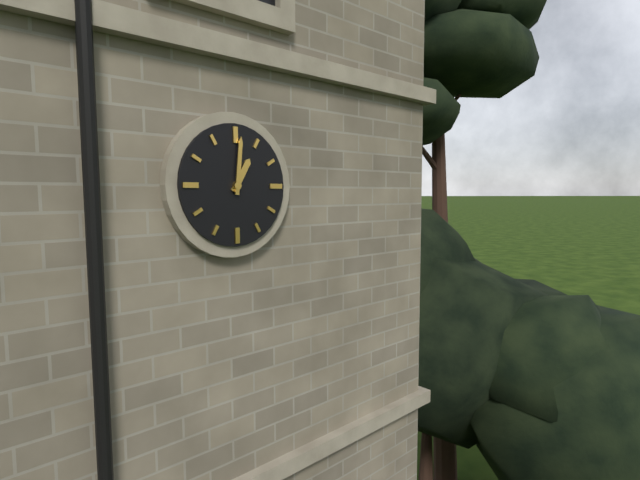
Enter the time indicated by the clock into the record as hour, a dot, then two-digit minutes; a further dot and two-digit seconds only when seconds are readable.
1.01
